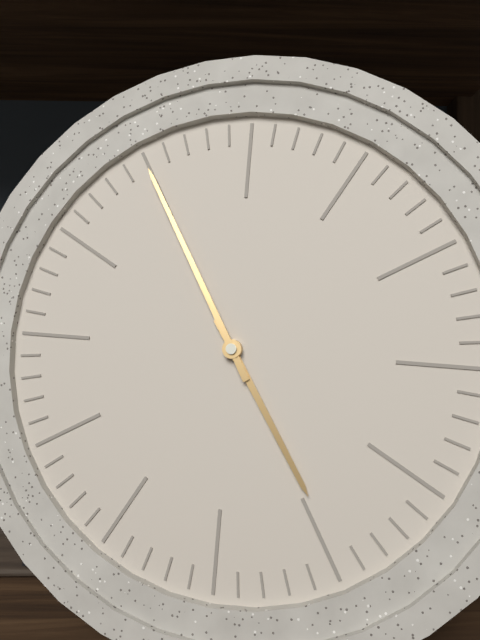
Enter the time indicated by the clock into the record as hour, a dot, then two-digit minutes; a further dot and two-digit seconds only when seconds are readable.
4.55
